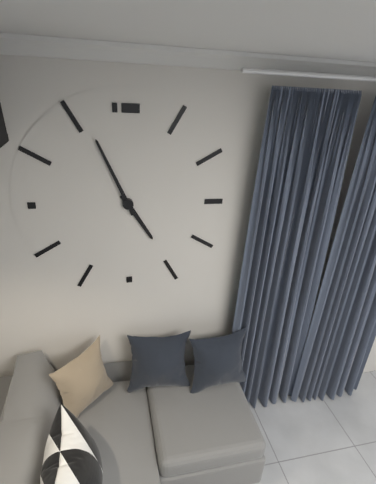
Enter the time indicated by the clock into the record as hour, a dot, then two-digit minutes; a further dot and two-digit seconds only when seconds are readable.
4.56
